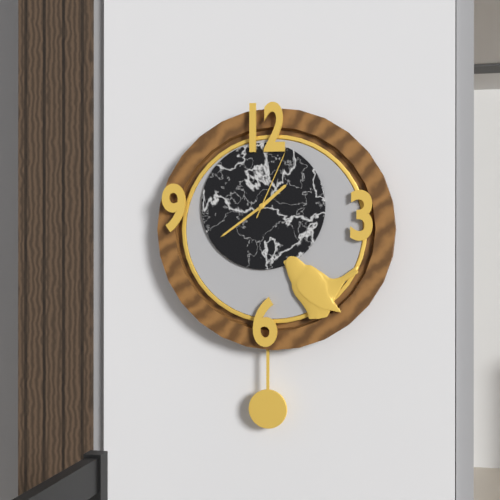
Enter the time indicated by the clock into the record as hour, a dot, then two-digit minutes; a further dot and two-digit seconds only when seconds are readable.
1.39.04
